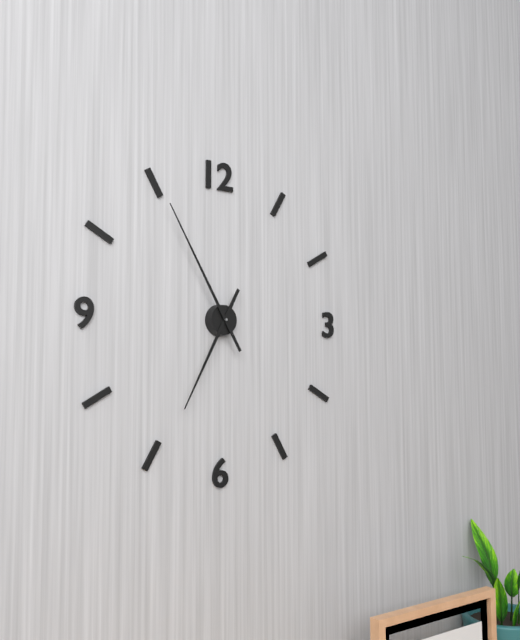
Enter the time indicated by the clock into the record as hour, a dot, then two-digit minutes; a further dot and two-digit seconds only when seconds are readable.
6.55
